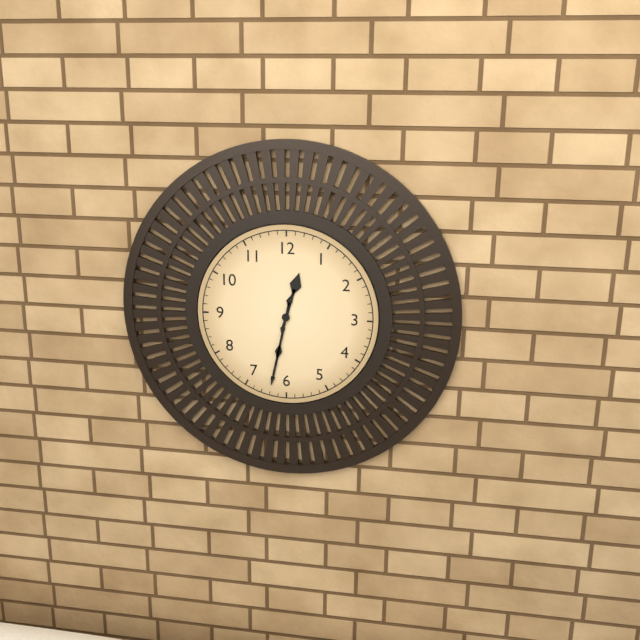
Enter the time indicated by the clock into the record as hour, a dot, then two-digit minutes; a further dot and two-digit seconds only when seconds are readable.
12.32
